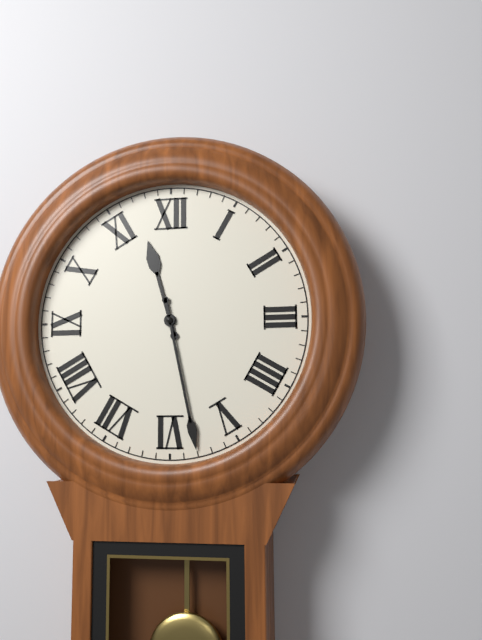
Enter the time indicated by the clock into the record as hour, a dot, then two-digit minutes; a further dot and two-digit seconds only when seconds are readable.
11.28
